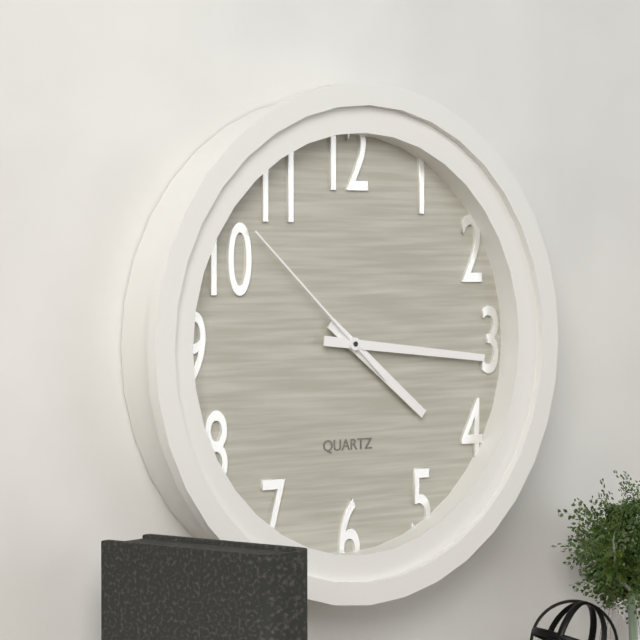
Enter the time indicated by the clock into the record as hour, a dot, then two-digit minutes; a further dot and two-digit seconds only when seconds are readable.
4.16.52
